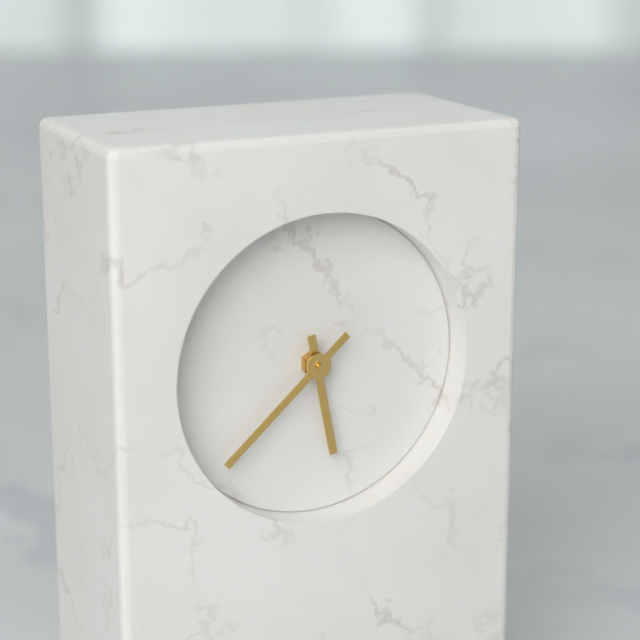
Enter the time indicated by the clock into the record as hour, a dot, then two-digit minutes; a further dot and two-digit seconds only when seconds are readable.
5.38
